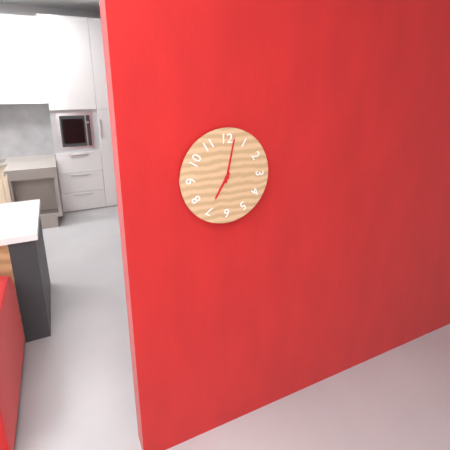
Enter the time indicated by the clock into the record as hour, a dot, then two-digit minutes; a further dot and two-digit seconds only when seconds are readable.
7.02
